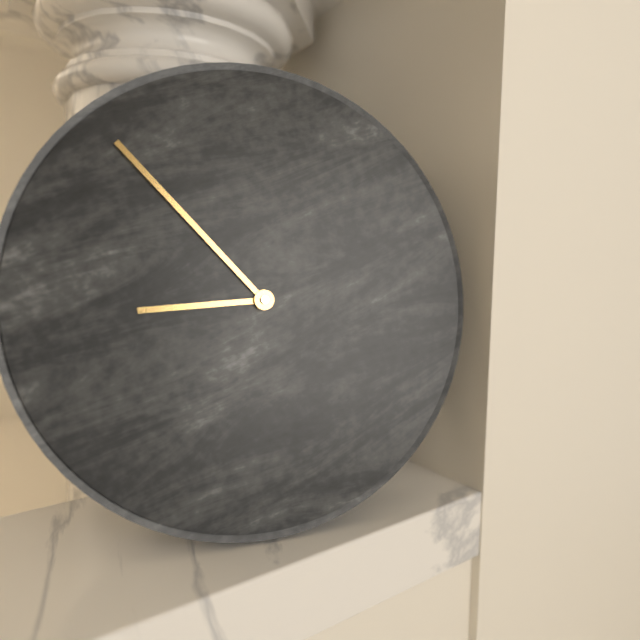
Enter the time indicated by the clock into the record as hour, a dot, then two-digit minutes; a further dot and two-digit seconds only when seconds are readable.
8.53
